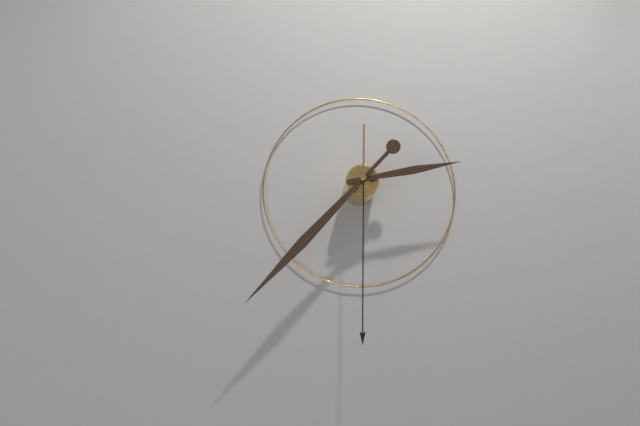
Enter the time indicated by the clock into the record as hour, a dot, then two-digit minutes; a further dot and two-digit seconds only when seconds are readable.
2.37.30
